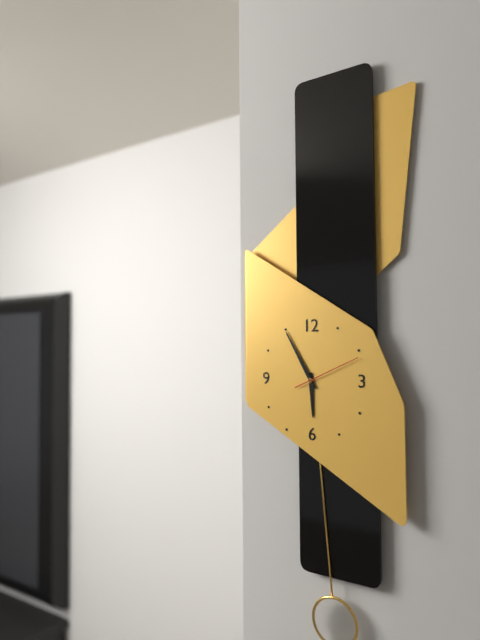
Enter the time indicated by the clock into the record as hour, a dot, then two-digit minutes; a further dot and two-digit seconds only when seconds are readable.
5.55.11
